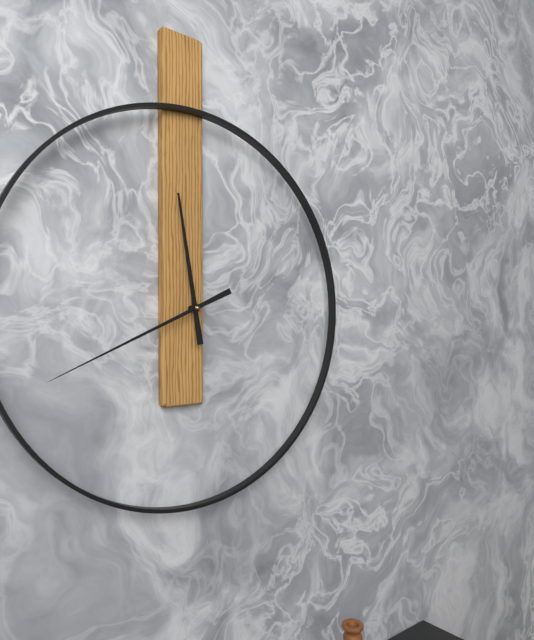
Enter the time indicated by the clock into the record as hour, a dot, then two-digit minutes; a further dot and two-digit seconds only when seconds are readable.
11.41
